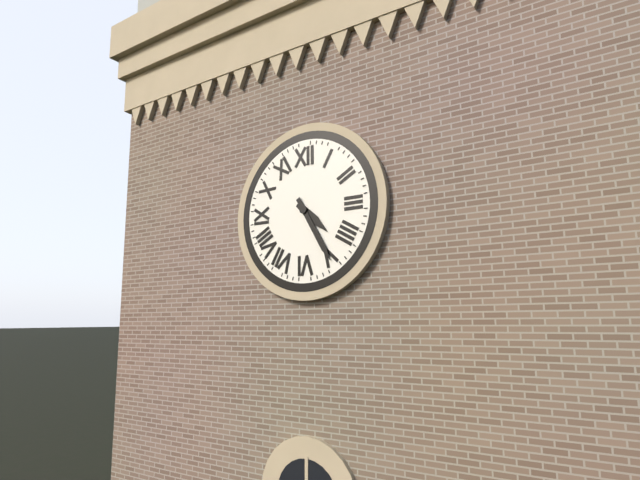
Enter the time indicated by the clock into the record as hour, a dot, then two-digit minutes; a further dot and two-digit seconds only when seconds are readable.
4.25
